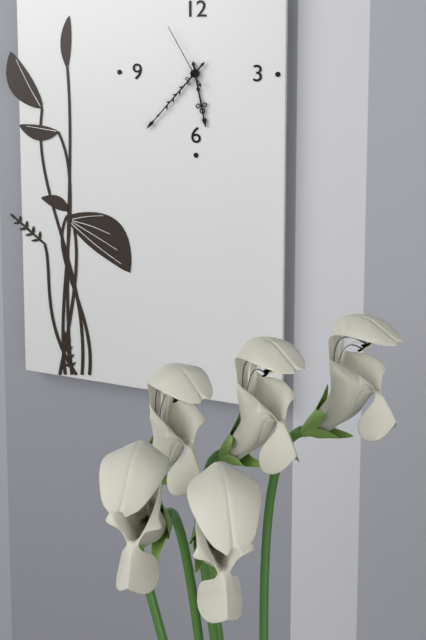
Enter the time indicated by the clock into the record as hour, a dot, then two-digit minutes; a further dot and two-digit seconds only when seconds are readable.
5.37.55
